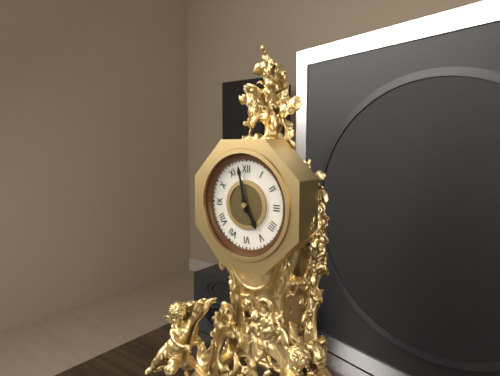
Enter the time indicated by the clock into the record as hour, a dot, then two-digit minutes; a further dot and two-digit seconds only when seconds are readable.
4.58
